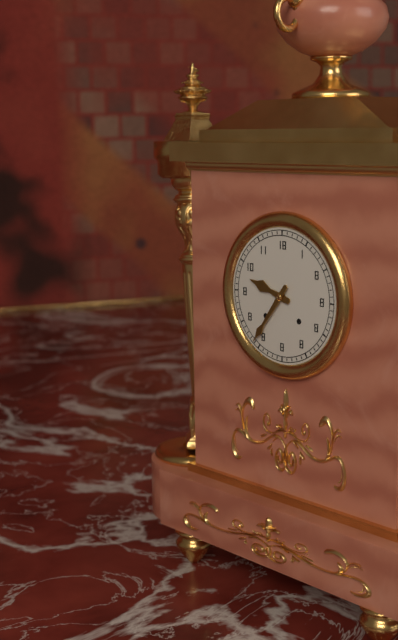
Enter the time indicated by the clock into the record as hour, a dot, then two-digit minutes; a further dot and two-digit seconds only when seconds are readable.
9.36
